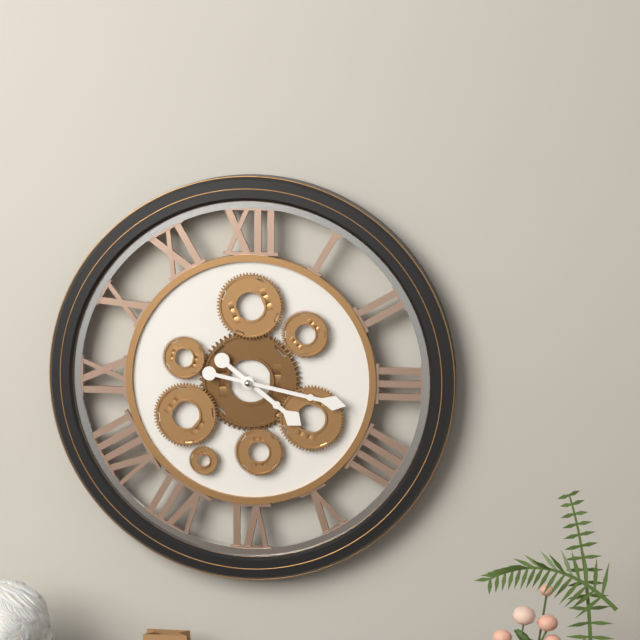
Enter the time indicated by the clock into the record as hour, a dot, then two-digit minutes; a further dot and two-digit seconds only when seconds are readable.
4.17
